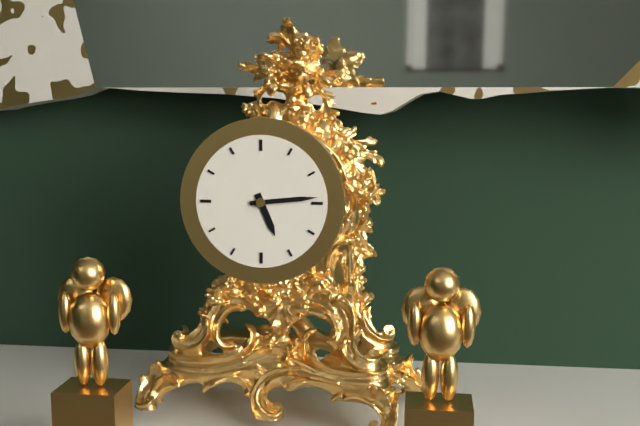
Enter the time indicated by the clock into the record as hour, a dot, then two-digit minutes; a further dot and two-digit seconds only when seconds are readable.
5.14
